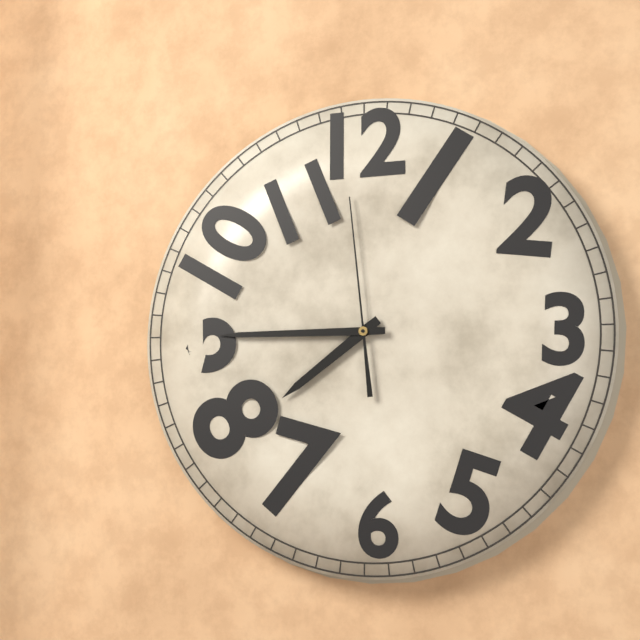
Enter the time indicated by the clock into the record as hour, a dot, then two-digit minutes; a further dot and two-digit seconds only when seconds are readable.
7.45.59
